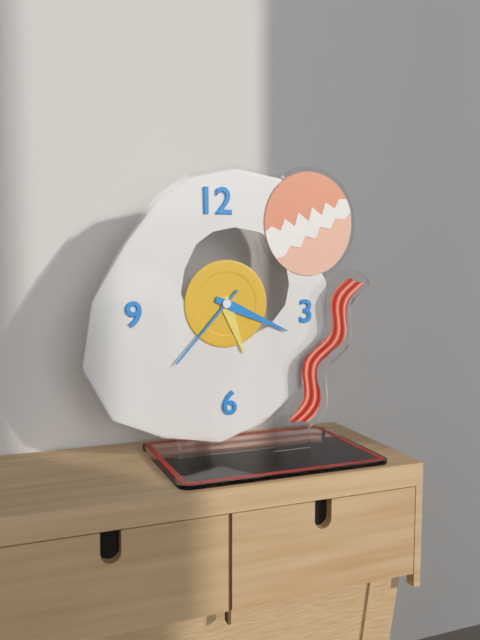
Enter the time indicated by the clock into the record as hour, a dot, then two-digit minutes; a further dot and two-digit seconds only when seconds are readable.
5.19.37
